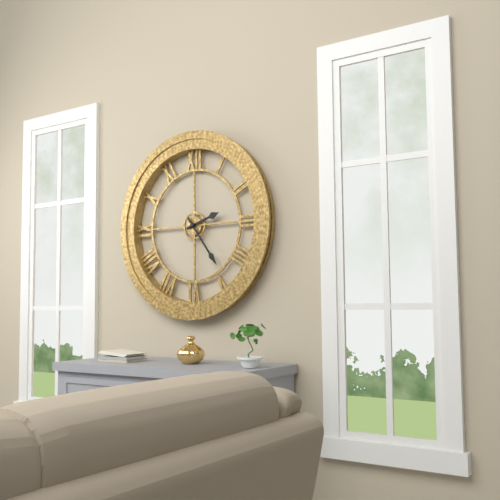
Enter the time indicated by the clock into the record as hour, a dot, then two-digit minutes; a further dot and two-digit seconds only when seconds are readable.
2.24
